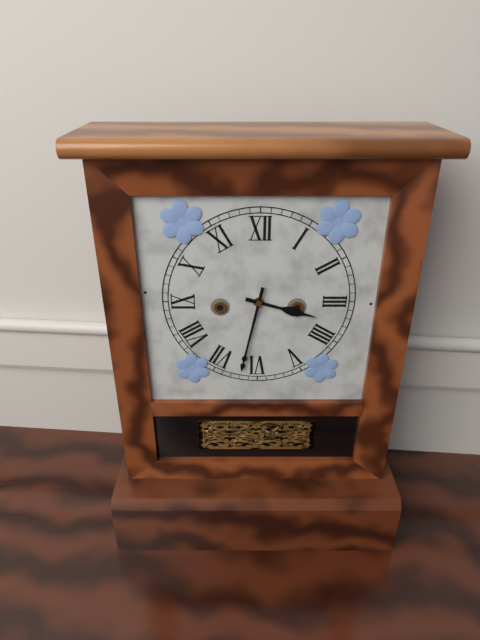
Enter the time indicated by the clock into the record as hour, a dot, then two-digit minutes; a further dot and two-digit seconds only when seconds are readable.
3.32
